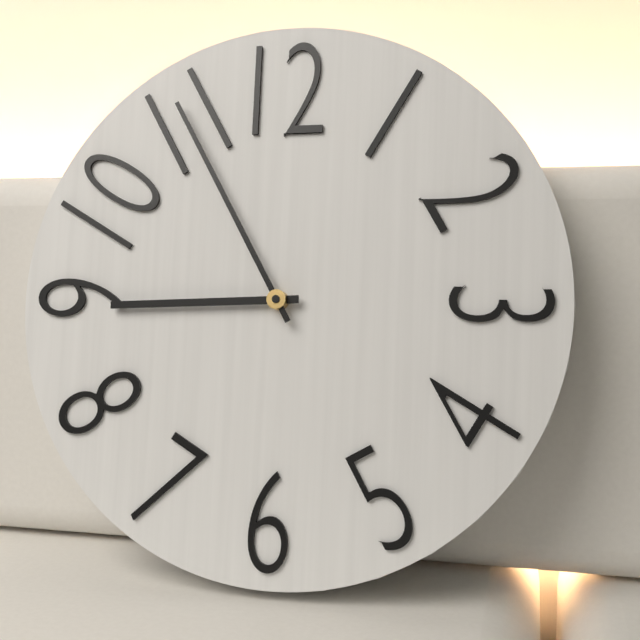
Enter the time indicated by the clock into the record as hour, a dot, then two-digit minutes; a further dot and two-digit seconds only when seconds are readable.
8.55
